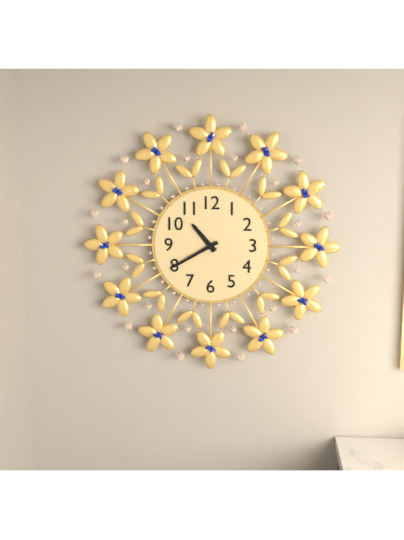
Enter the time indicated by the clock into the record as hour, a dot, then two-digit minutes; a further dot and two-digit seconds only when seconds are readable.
10.40
